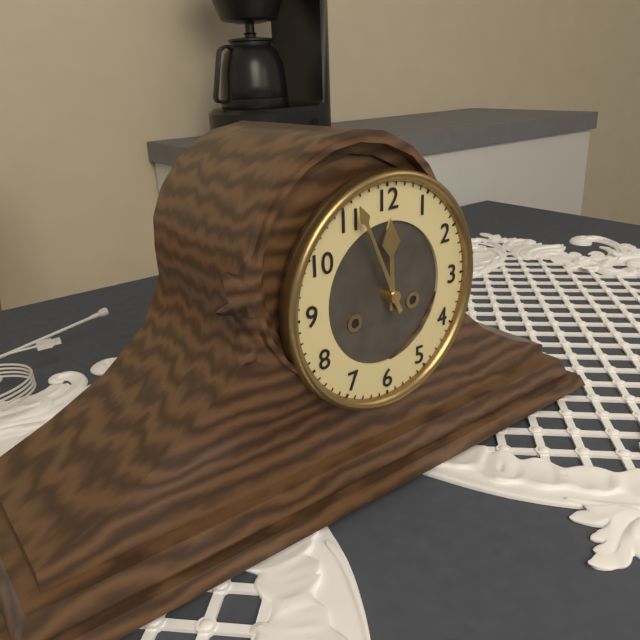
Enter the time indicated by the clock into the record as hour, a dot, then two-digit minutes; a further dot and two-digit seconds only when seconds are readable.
11.56
